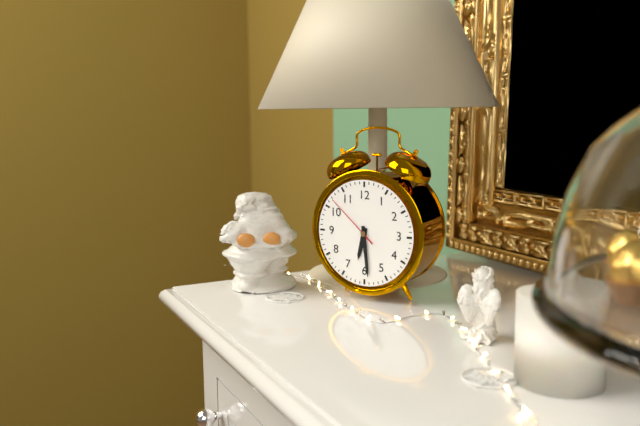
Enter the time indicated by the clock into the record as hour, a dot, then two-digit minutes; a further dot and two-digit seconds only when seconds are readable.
6.29.52
